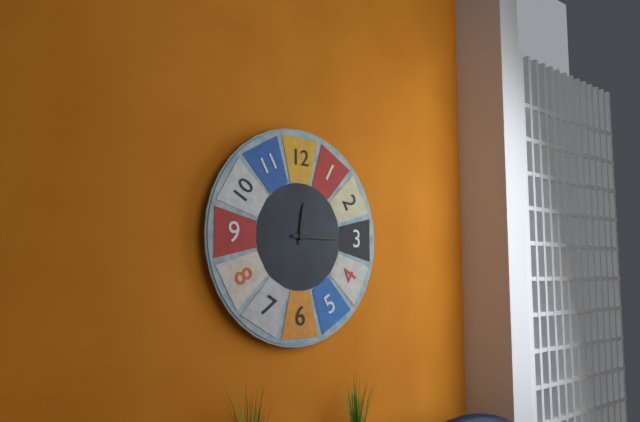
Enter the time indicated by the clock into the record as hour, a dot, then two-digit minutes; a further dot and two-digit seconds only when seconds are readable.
12.15
